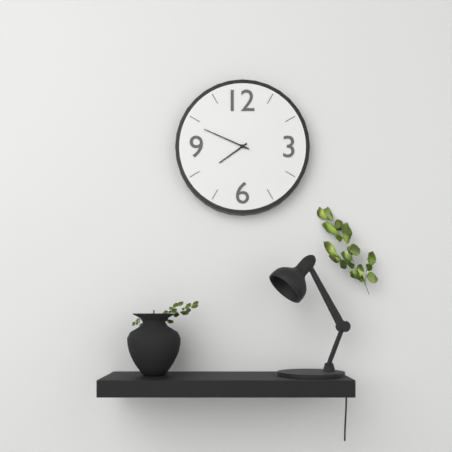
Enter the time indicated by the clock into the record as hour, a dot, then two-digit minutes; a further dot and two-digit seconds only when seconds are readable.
7.49
